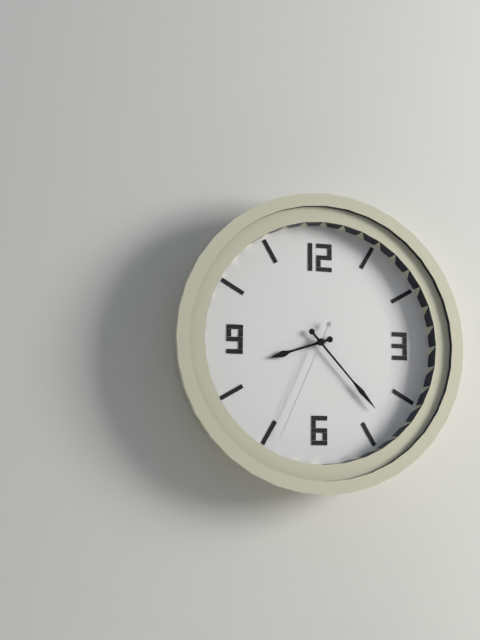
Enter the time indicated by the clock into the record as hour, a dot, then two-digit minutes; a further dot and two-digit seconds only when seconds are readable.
8.23.34
